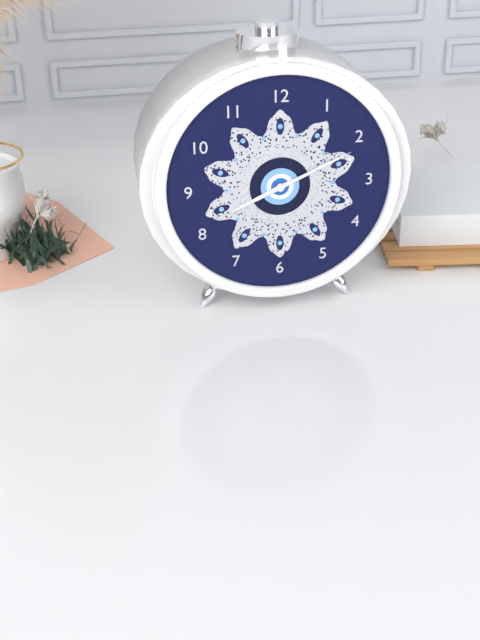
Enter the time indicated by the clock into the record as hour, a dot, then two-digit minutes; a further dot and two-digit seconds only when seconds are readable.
8.11
